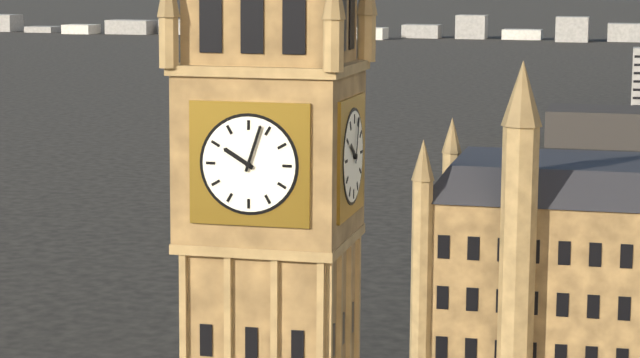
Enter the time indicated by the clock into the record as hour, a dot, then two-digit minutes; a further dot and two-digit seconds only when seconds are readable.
10.03
